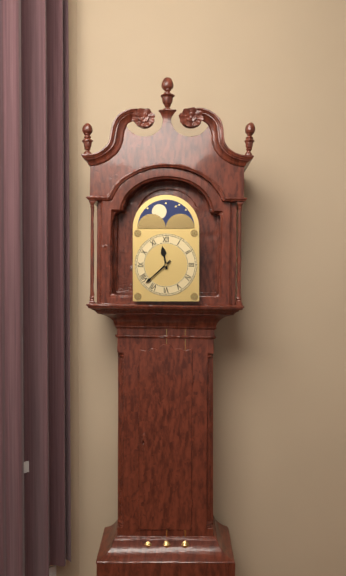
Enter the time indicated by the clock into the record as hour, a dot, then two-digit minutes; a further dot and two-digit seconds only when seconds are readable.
11.38
